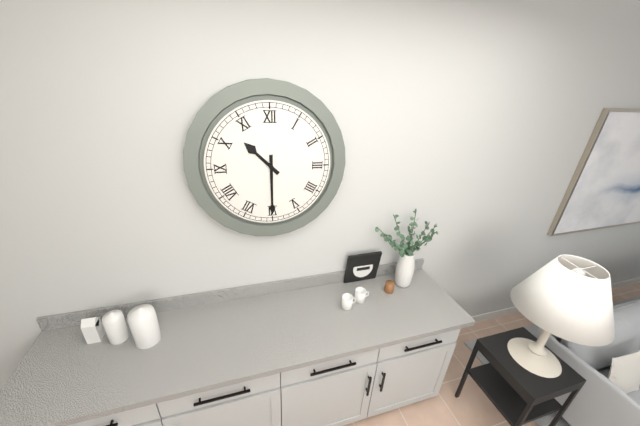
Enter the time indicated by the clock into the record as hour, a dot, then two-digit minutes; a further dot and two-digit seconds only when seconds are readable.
10.30
